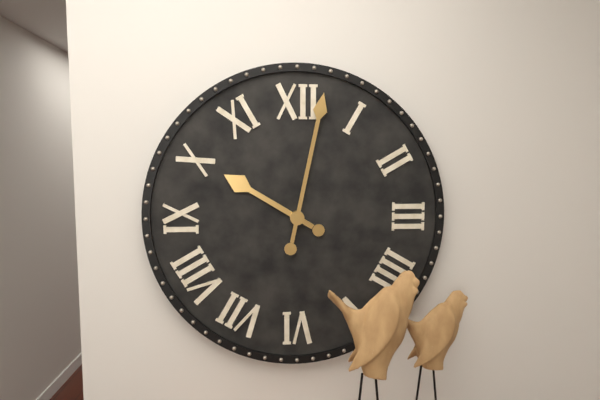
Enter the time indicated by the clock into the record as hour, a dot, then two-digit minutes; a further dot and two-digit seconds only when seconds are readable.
10.02
